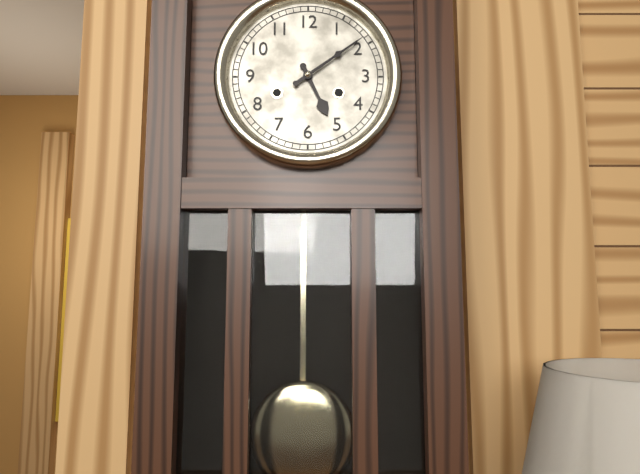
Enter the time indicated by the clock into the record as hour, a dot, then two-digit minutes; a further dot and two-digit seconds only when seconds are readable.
5.09
